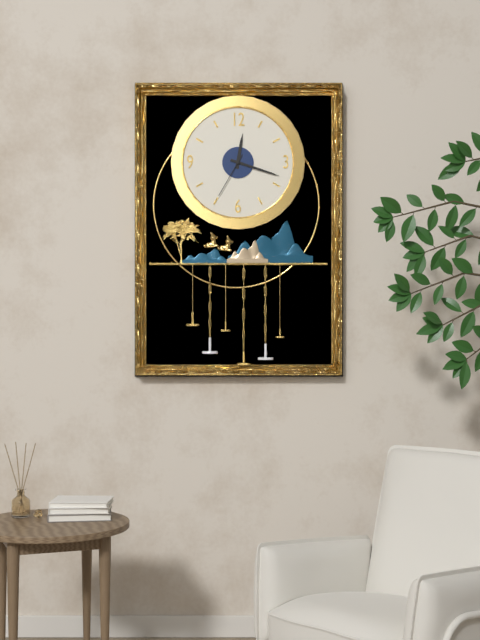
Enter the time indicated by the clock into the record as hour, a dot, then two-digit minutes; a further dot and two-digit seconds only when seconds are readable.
12.18
